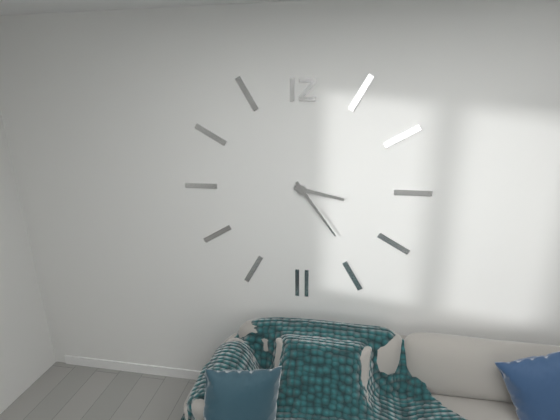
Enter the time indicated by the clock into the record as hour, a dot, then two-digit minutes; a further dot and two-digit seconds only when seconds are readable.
3.24
